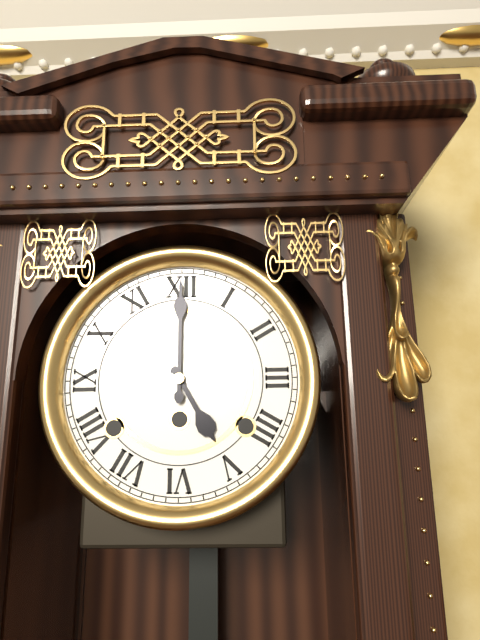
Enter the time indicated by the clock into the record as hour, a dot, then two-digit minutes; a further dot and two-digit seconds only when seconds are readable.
5.00
